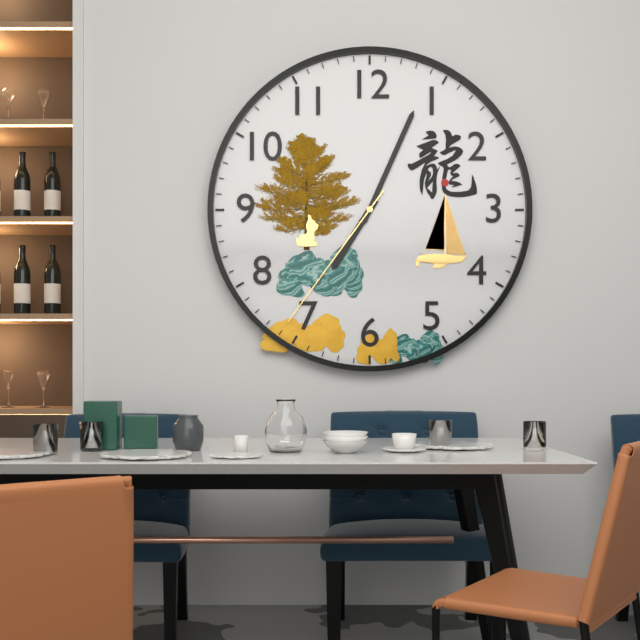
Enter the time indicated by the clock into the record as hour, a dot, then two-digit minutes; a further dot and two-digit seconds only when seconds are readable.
7.04.36
